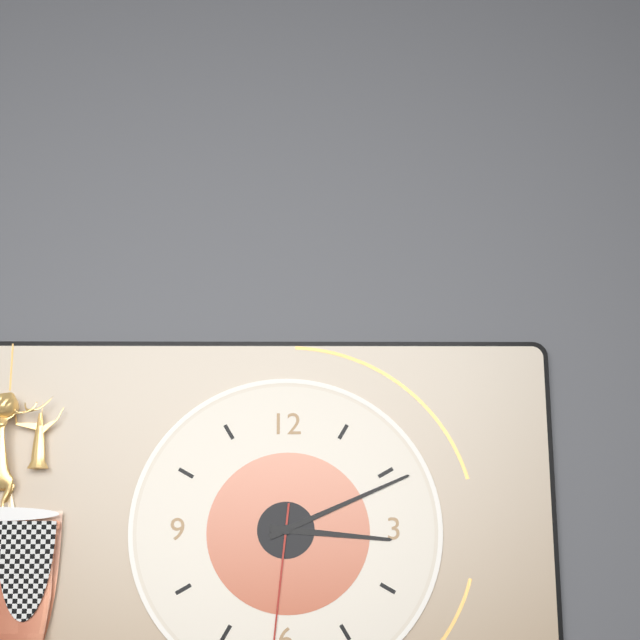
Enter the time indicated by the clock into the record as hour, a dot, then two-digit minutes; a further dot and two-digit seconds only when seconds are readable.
3.11
